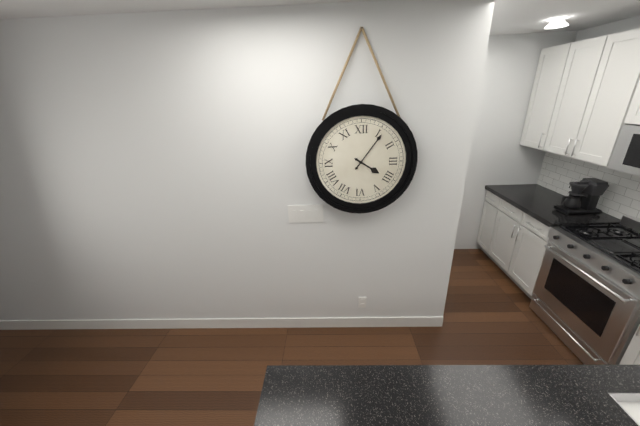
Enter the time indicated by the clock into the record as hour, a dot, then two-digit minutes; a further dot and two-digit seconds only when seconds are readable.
4.06
